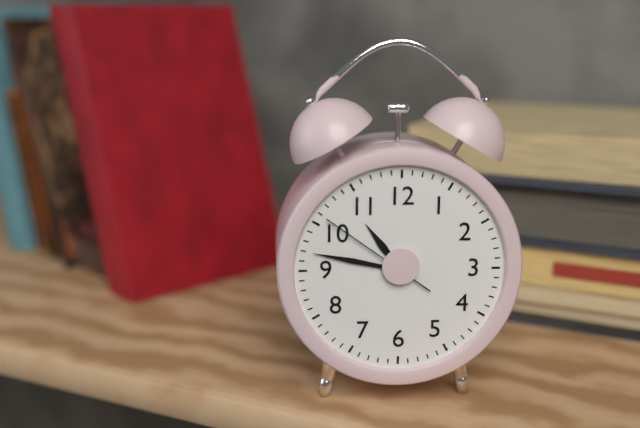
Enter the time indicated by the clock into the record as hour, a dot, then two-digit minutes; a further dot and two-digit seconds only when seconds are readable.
10.47.51
